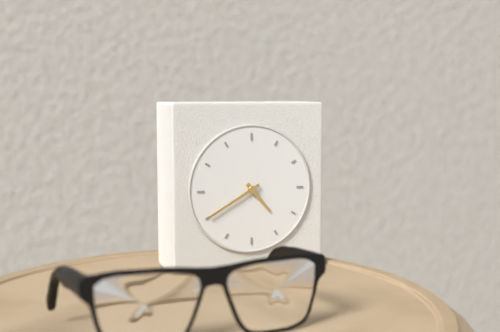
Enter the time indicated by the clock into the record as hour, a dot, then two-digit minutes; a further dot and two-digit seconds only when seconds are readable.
4.40
